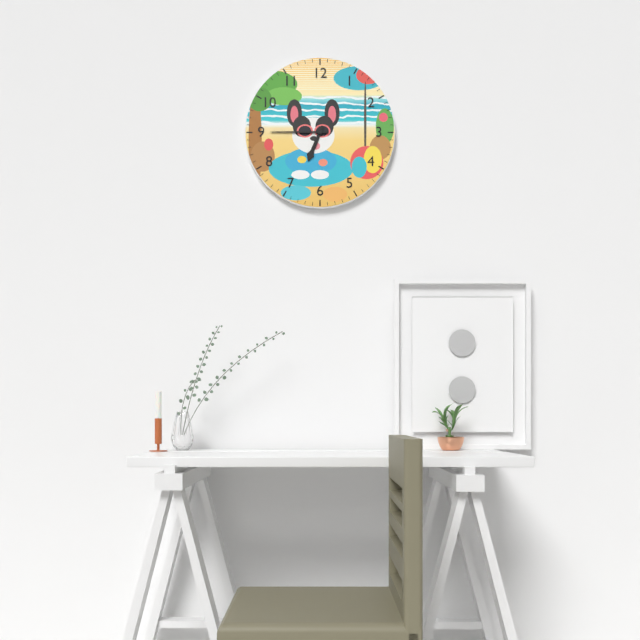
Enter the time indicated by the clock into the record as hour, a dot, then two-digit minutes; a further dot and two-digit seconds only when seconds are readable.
6.45
